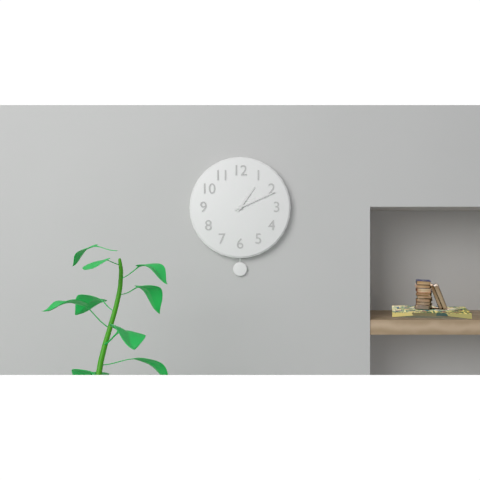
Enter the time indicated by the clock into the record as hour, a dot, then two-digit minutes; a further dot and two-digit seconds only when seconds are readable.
1.11
